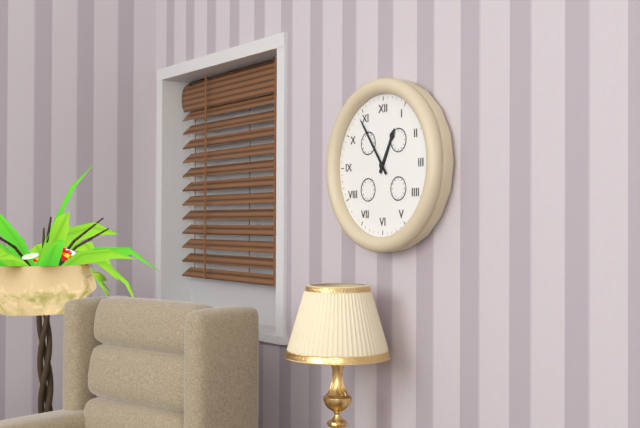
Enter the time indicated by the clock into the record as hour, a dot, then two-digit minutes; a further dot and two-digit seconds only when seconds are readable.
12.54
